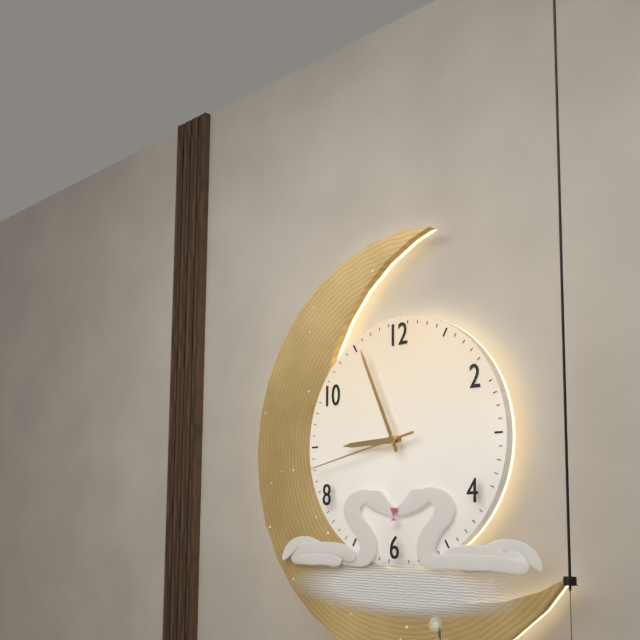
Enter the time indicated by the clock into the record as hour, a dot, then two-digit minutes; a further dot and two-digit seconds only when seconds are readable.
8.56.43
